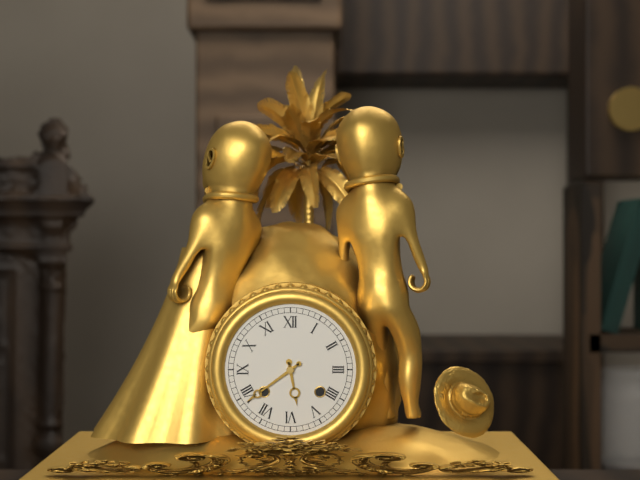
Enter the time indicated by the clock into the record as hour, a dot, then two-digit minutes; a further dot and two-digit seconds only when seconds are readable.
5.39
